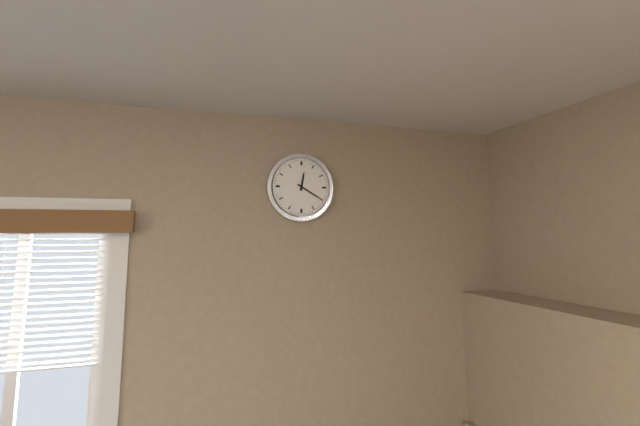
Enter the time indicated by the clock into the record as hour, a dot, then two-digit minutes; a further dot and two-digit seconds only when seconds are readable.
12.20
